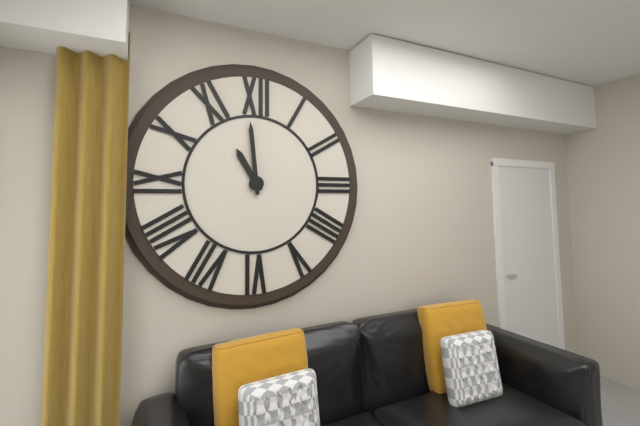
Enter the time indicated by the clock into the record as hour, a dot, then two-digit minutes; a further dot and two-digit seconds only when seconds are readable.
10.59
